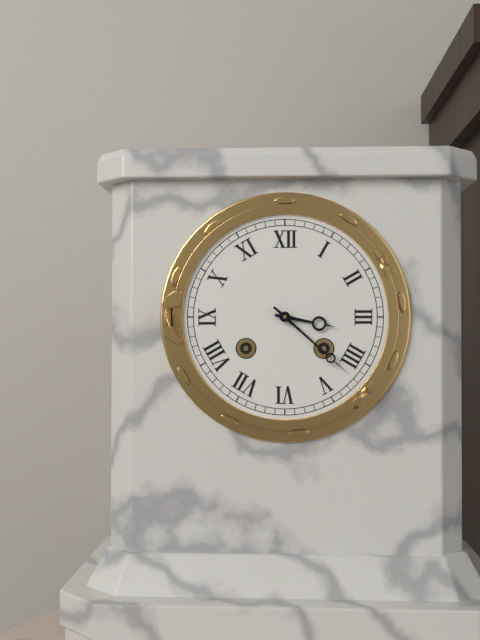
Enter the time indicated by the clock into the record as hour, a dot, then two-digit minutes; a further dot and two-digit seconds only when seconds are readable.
3.22
